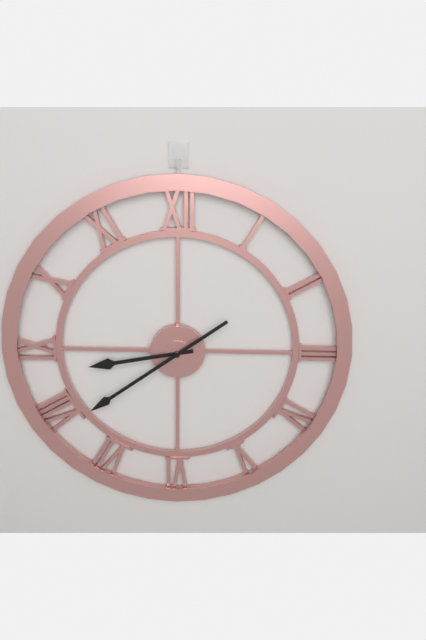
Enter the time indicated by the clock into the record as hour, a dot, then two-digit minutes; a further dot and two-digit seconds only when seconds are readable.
8.39
